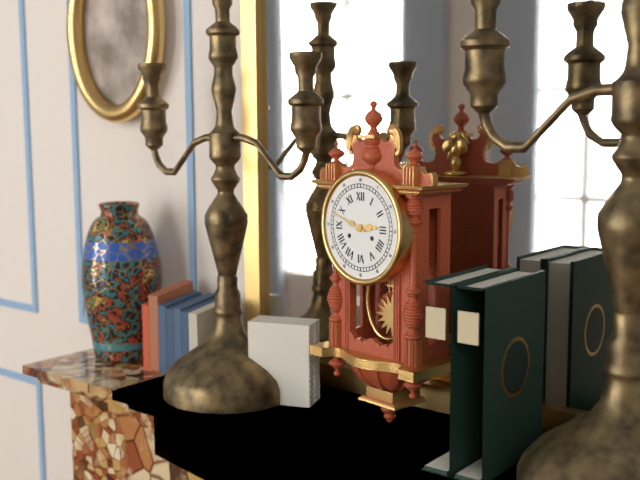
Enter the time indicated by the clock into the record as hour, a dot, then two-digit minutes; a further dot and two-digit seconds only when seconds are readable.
2.48
